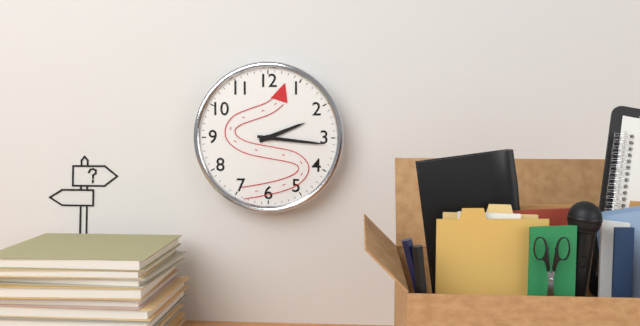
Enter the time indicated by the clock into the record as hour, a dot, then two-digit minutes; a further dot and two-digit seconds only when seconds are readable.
2.16
